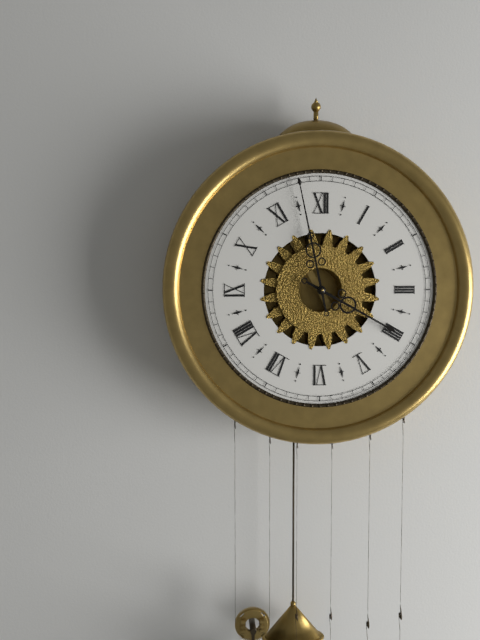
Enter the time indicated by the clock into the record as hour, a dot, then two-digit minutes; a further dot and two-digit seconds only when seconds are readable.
3.58
